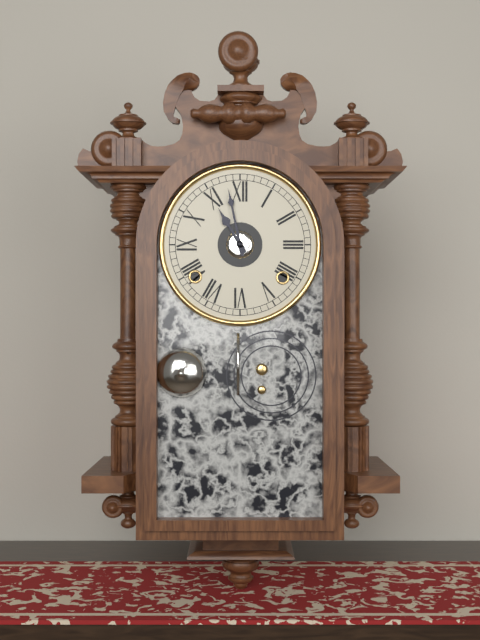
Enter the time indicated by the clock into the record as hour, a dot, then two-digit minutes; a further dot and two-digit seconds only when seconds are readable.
10.58
